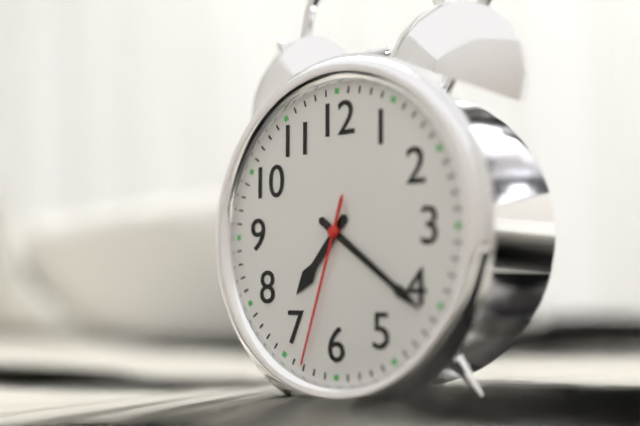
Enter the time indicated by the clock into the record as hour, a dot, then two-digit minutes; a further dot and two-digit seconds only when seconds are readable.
7.21.33
